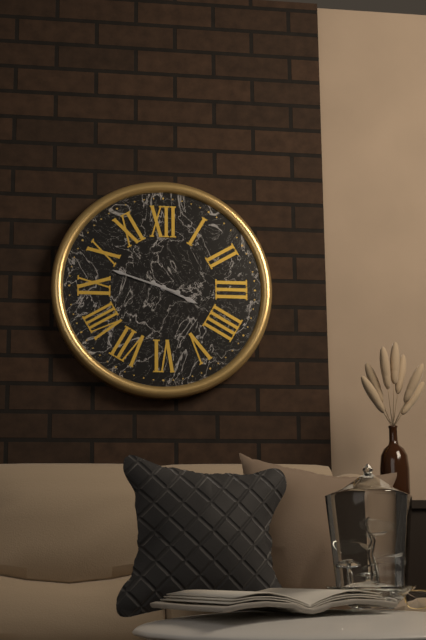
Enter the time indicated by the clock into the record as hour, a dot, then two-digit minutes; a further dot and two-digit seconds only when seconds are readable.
3.48
